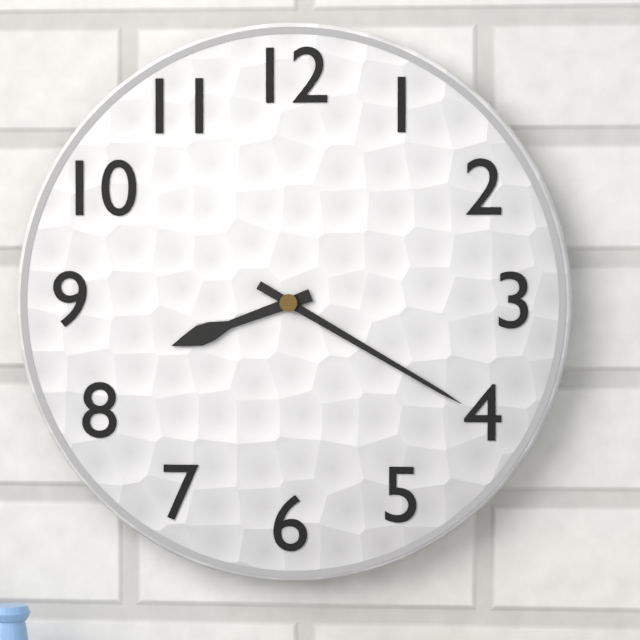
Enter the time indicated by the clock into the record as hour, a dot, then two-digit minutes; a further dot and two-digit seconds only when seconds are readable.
8.20
